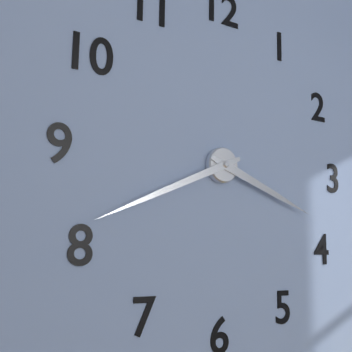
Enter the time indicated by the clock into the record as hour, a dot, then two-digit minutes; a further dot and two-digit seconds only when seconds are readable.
3.41
